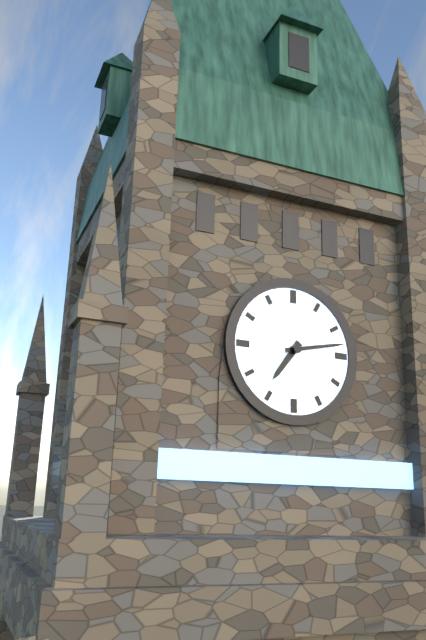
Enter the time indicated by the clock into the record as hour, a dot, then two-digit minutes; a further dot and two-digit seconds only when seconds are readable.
7.13
